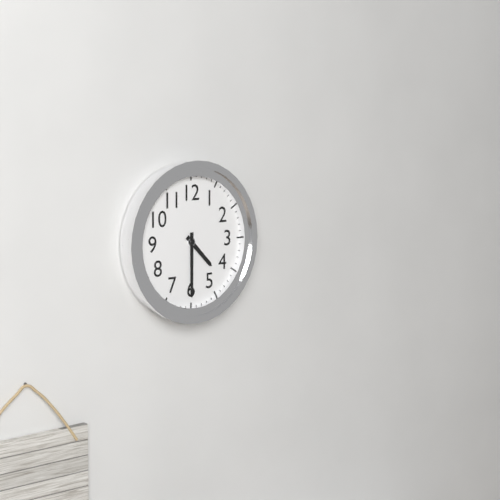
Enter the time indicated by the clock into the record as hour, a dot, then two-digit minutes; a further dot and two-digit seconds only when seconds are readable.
4.30
